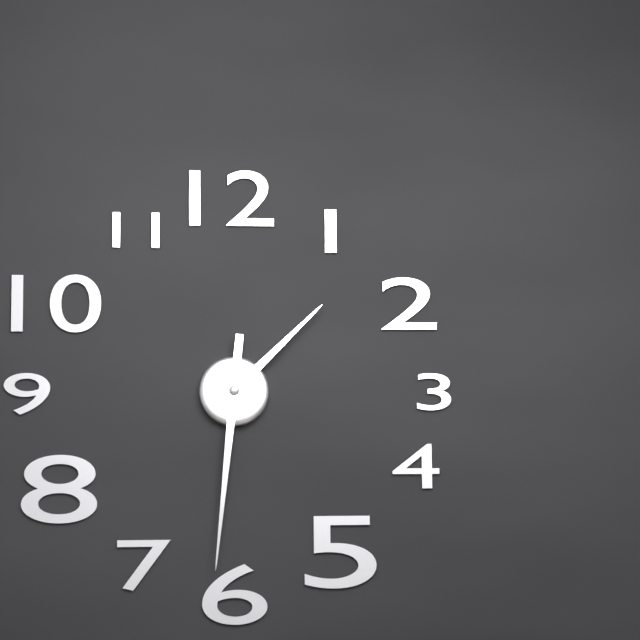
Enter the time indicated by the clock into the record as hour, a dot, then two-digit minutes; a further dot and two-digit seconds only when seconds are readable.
1.31
